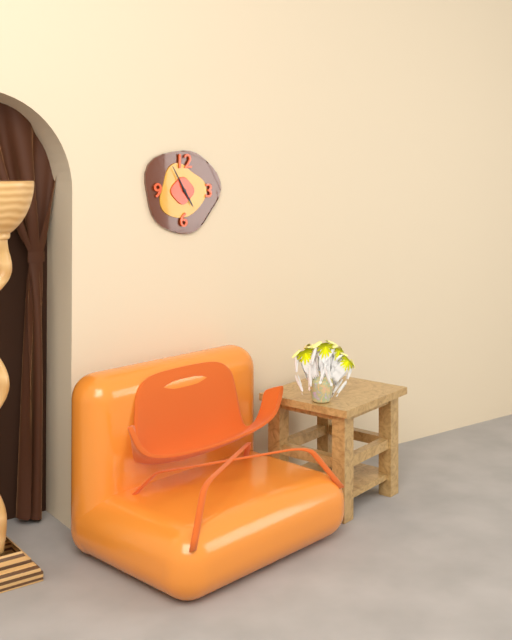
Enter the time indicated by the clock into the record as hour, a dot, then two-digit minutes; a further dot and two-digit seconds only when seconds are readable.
4.55
